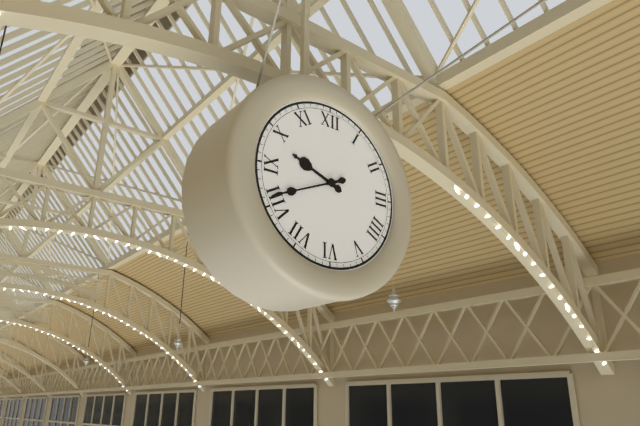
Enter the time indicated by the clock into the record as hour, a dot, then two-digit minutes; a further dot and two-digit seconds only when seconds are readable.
9.41
